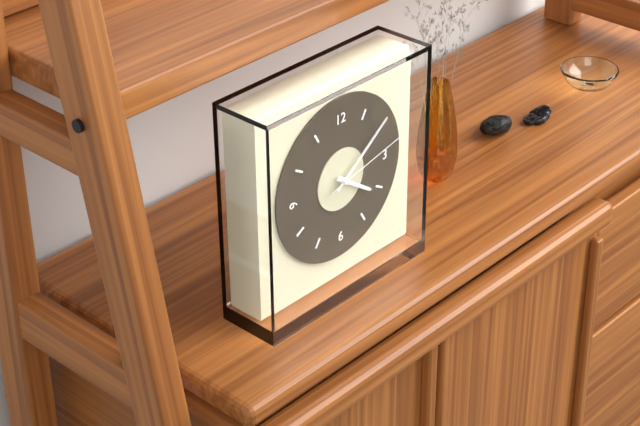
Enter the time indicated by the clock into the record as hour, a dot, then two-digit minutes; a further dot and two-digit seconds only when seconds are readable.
4.09.13
